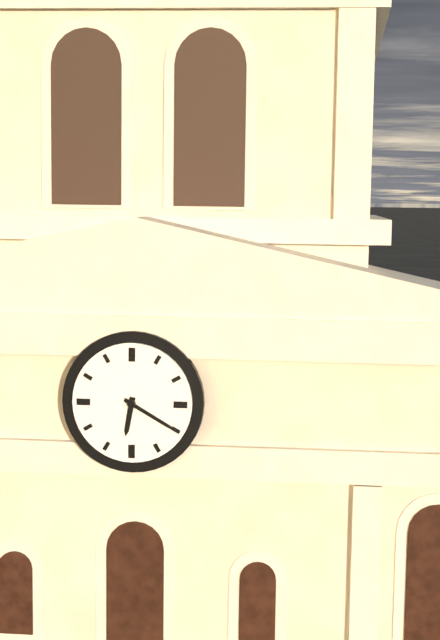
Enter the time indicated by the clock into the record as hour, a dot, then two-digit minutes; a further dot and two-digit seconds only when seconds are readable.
6.20
